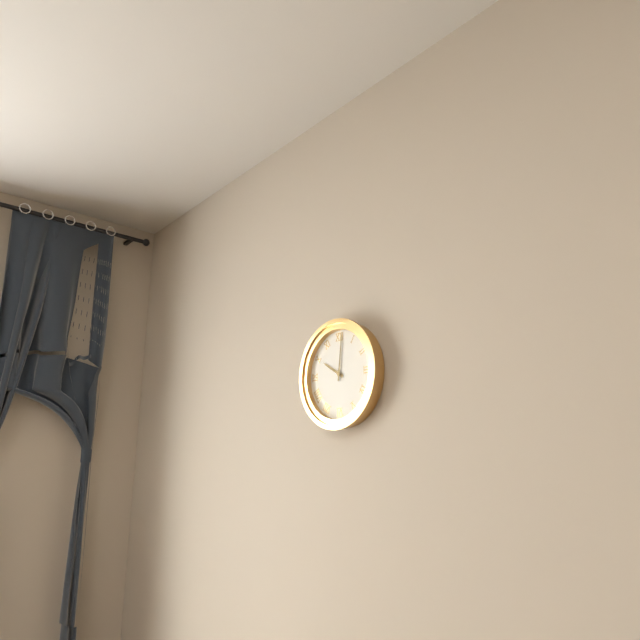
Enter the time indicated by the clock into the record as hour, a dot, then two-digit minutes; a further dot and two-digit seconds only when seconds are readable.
10.01
